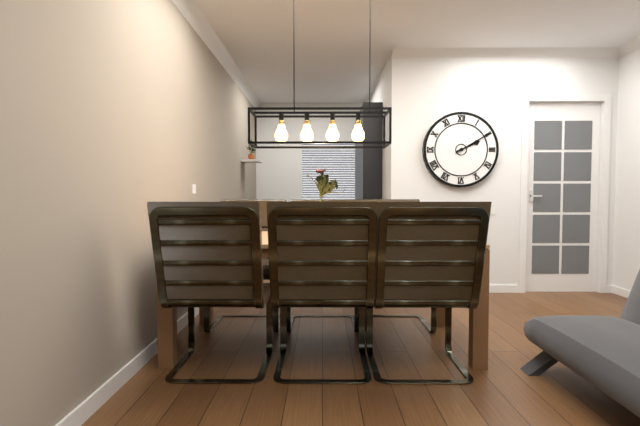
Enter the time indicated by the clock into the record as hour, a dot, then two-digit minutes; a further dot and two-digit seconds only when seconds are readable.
2.10
